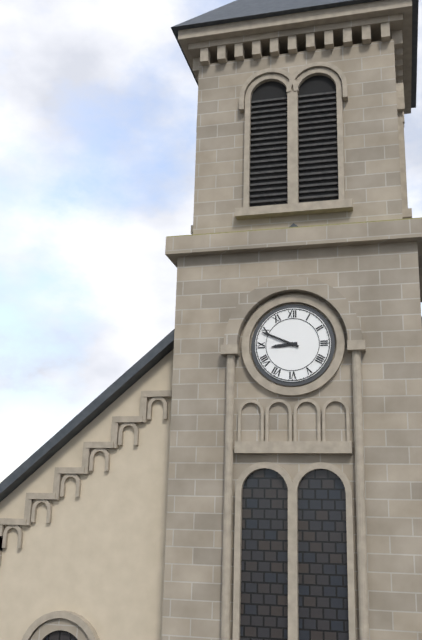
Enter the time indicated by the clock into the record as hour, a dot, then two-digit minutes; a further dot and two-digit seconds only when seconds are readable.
8.49
